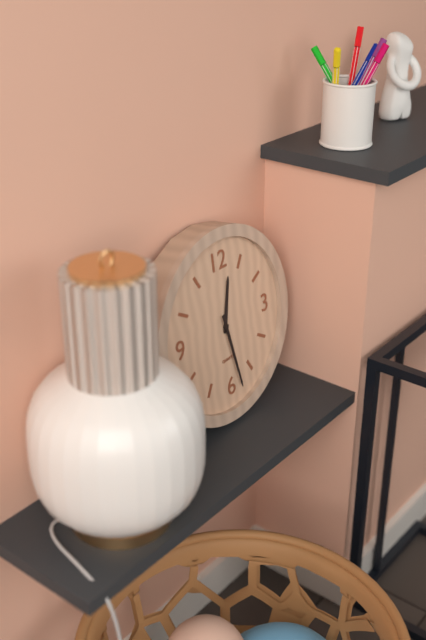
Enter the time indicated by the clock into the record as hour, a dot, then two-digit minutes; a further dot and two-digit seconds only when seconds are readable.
12.28
